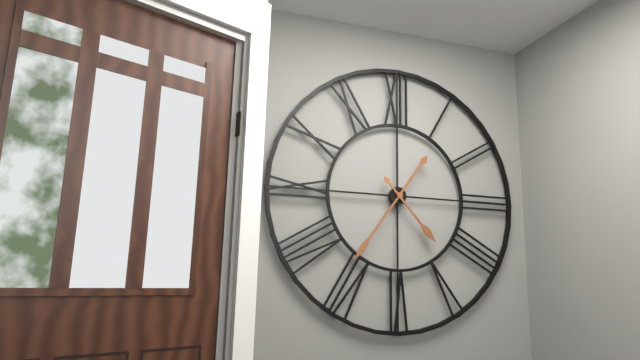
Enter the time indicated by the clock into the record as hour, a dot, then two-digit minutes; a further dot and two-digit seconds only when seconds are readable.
4.36
